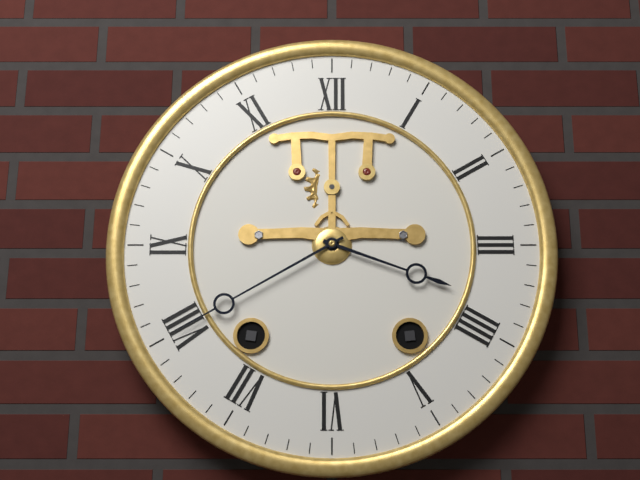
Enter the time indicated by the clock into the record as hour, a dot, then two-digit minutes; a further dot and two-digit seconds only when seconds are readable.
3.40
